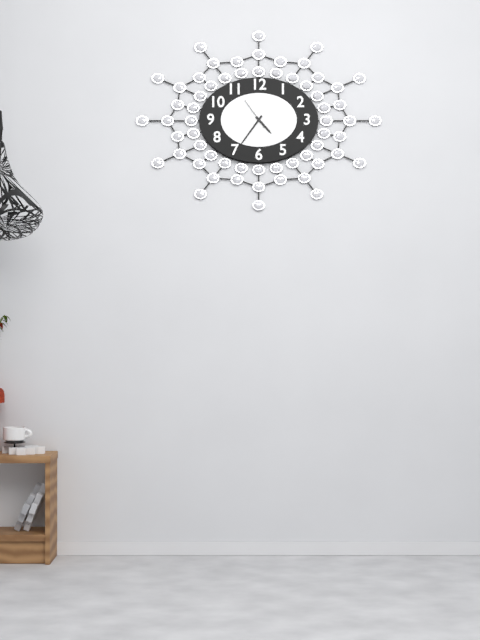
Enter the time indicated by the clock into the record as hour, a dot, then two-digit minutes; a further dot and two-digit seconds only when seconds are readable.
4.36
